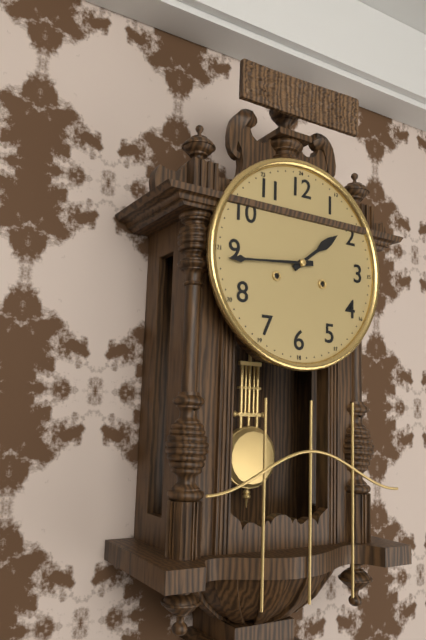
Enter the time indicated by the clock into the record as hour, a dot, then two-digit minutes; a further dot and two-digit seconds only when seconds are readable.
1.44
